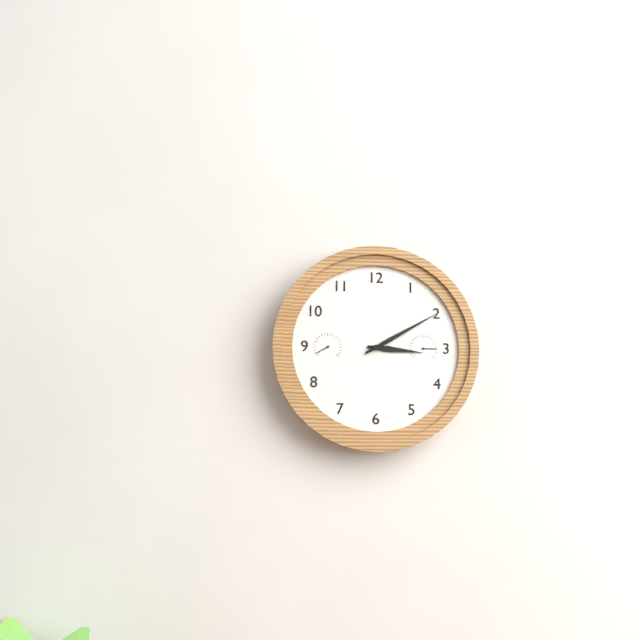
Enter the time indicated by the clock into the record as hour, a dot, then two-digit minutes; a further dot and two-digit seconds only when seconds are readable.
3.10
